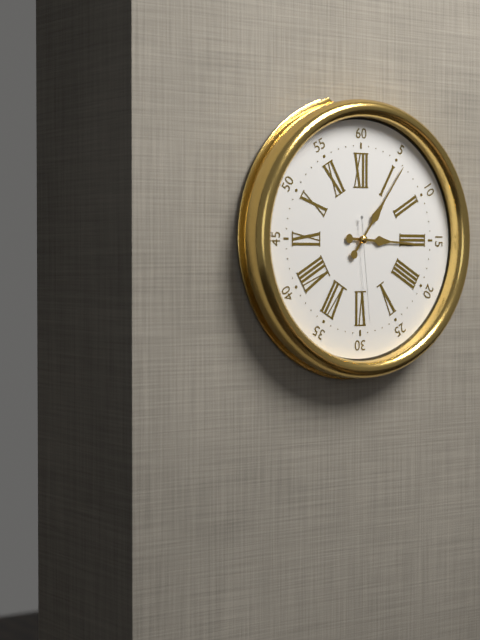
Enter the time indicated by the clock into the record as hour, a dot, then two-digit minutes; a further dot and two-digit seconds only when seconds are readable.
3.06.29
